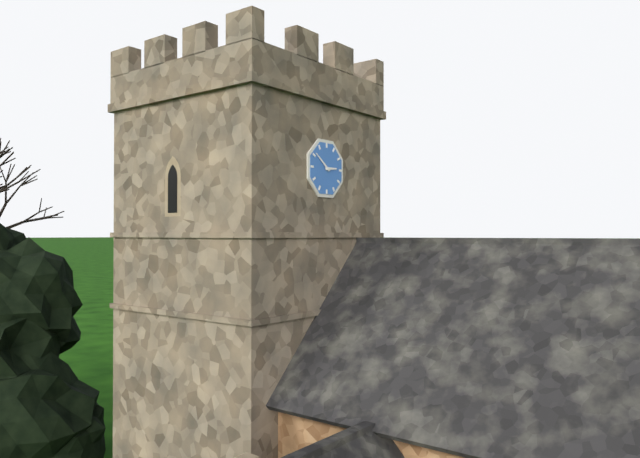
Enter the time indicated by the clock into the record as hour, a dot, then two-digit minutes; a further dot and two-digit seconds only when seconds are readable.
2.51
